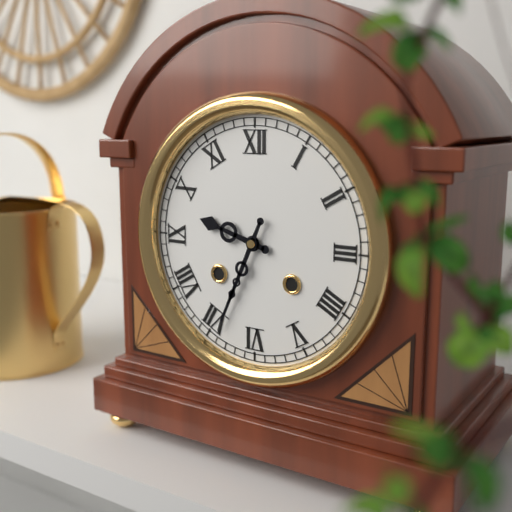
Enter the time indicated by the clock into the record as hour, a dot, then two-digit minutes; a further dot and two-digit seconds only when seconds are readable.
9.34
